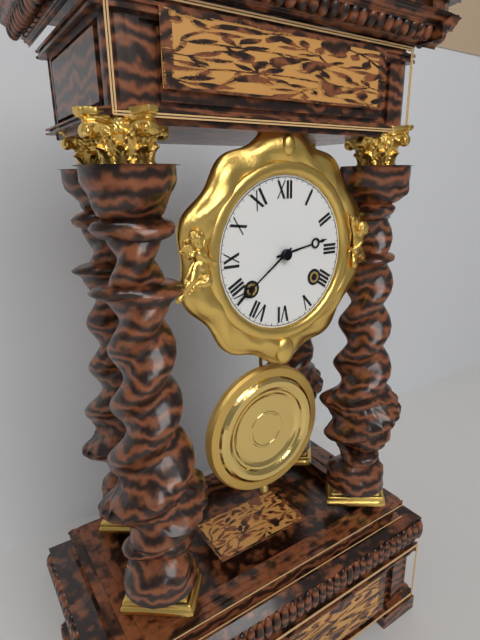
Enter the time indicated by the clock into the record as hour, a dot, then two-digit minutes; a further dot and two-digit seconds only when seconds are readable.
2.39
